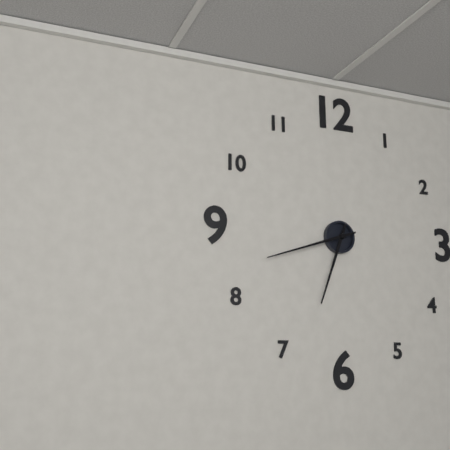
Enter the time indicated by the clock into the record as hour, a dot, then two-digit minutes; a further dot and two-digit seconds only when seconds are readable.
6.42
